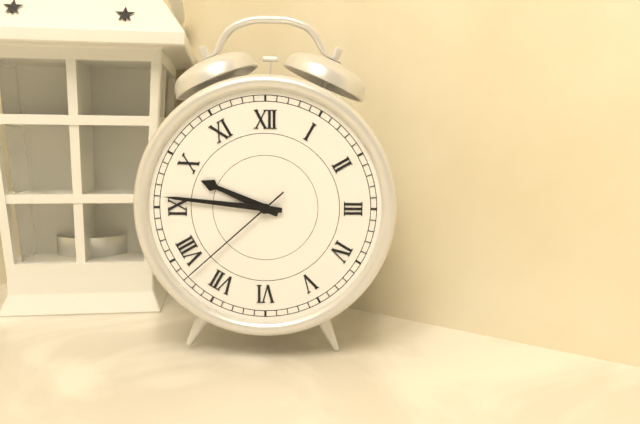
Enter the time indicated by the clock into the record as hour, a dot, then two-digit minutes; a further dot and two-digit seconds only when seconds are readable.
9.46.38
